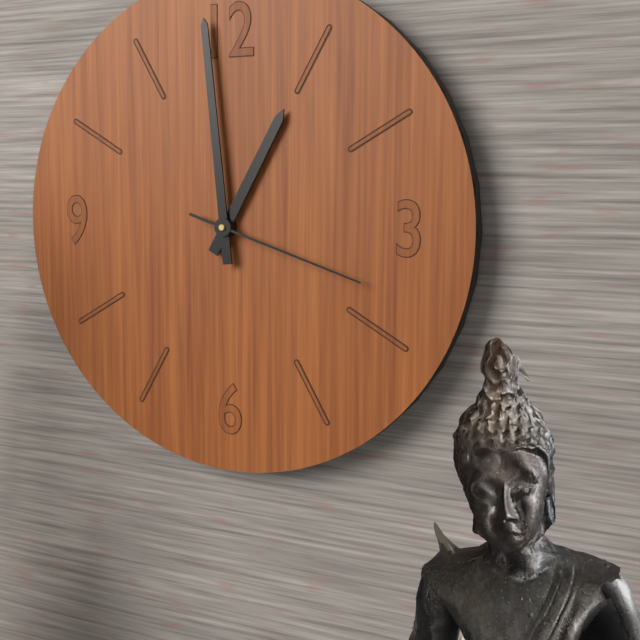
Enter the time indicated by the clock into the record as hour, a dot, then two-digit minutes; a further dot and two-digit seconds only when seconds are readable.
12.59.18
